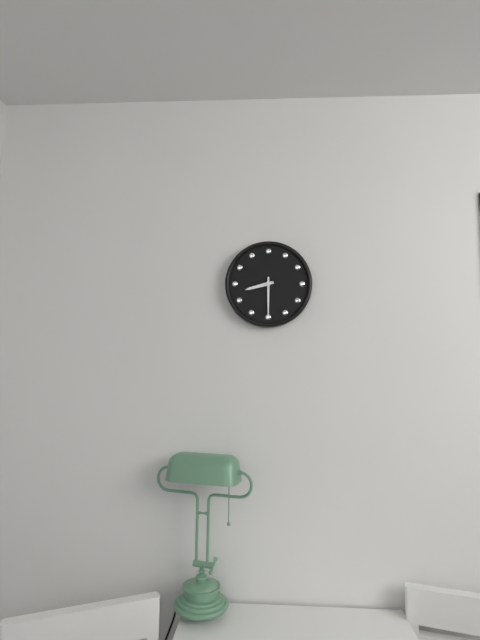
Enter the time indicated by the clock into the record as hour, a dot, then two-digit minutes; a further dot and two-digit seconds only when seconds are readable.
8.30
